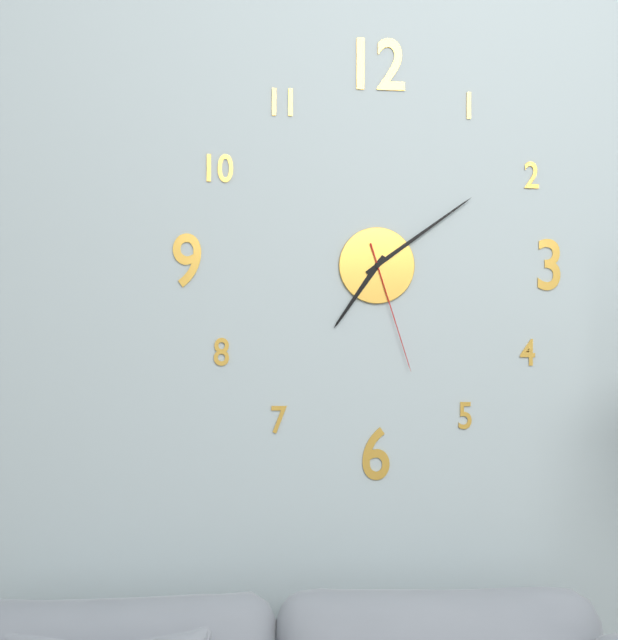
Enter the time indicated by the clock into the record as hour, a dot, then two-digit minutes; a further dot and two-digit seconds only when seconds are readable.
7.09.27
